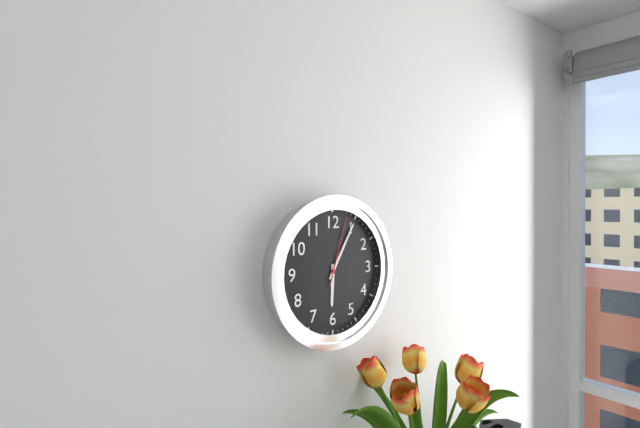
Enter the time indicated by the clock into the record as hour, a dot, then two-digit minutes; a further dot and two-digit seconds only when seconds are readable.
6.05.03
